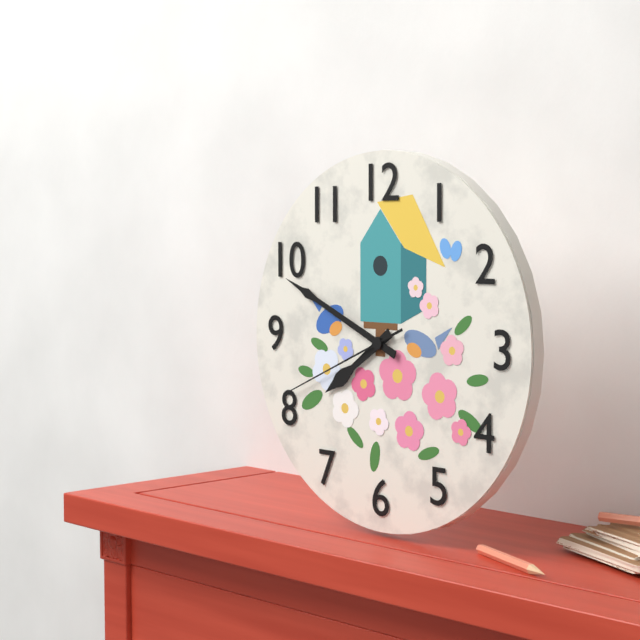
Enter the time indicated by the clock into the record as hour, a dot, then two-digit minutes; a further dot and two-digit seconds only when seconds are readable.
7.49.41
